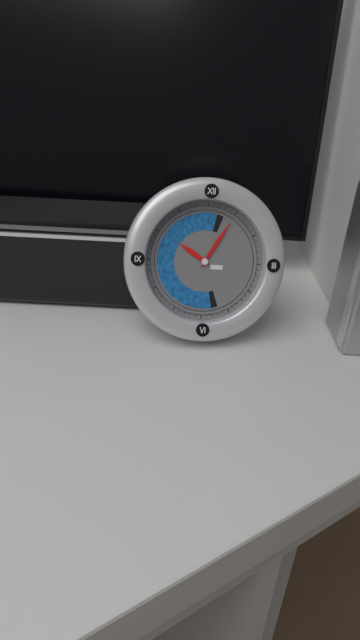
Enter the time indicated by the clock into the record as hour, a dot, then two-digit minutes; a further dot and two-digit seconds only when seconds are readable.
10.05
